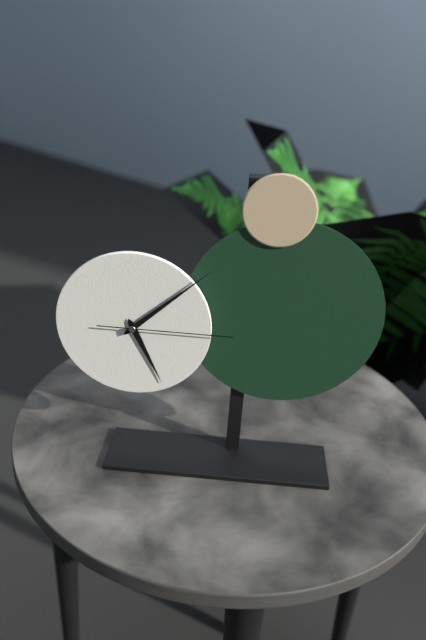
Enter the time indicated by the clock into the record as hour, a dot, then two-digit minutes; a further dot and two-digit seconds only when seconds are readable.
5.08.15
